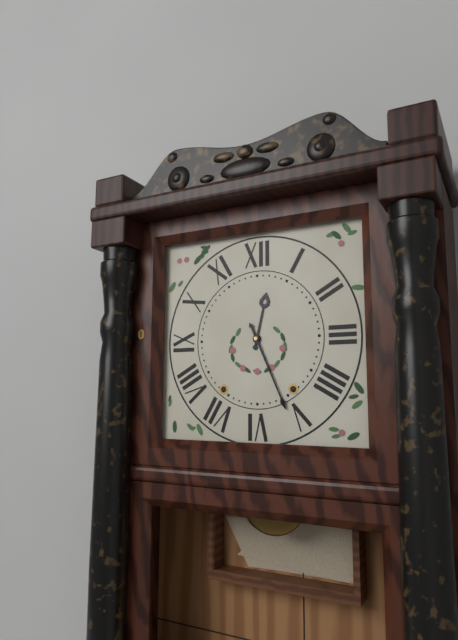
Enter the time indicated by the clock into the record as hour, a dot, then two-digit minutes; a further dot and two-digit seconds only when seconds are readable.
12.26
